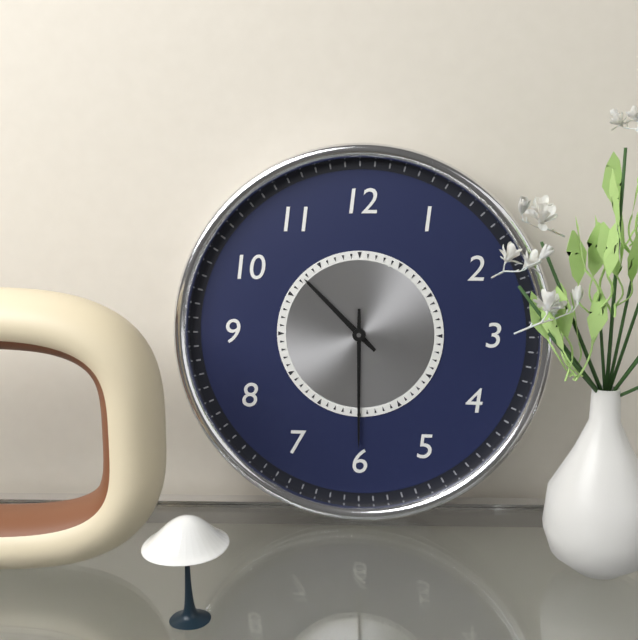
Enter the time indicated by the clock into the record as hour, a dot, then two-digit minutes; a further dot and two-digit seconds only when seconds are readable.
10.30
